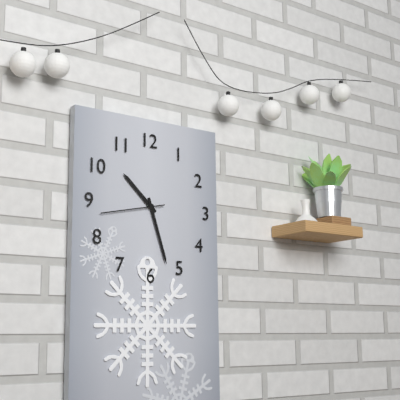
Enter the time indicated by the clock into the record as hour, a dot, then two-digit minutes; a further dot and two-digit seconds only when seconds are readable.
10.27.43
